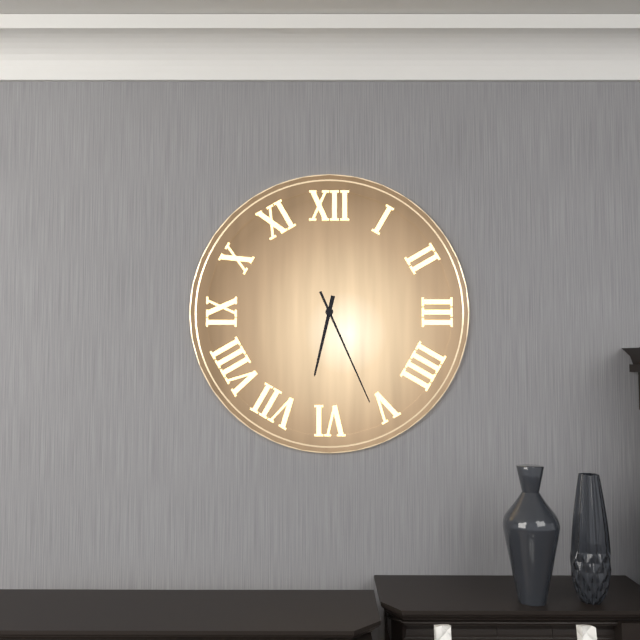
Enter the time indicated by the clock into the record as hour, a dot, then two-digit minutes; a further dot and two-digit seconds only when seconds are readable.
6.26
